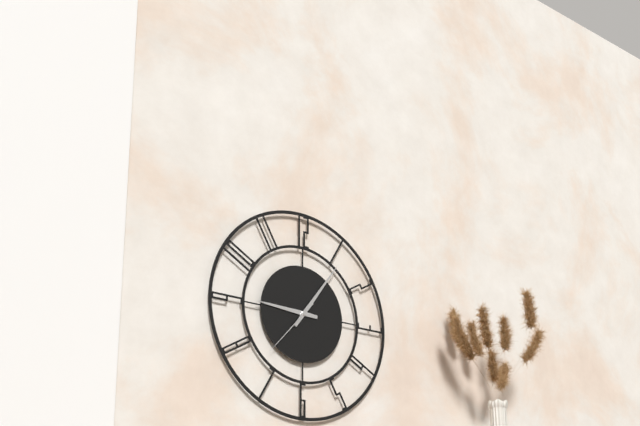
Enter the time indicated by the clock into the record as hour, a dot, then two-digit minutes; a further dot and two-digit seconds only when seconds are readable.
9.06.37
